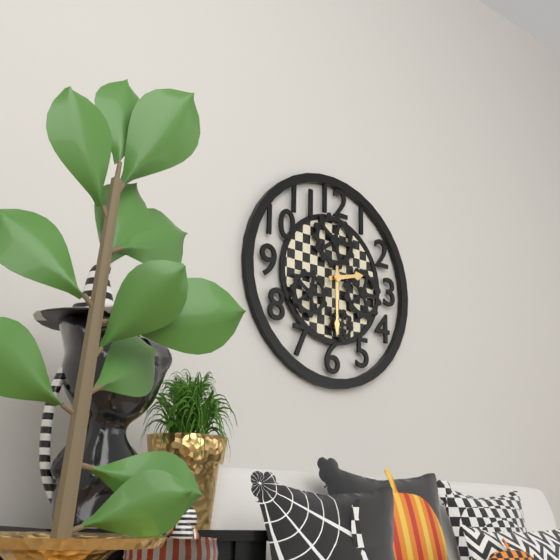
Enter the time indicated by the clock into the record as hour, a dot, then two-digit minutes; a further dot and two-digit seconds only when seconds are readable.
2.30
